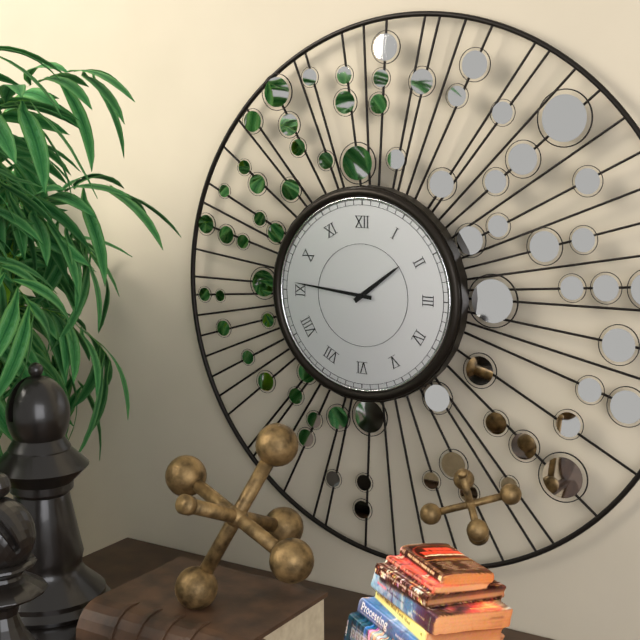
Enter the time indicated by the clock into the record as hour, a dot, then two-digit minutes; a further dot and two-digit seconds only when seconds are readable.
1.46
